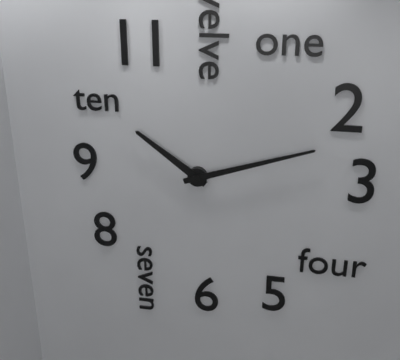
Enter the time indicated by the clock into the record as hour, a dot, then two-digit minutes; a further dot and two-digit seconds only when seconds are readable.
10.12
